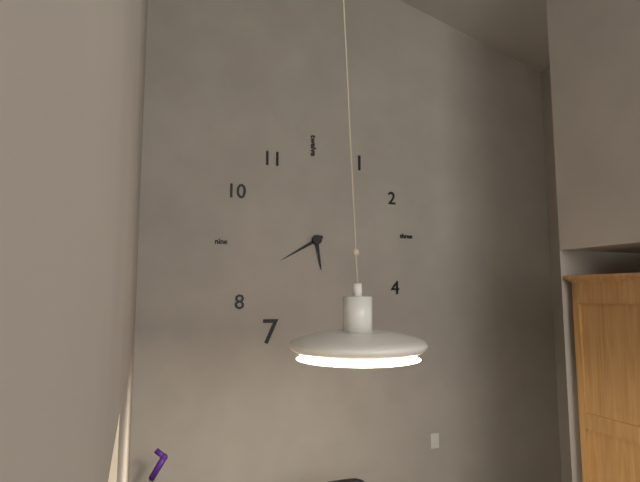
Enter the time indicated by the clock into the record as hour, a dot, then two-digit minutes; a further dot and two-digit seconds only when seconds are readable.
5.40
